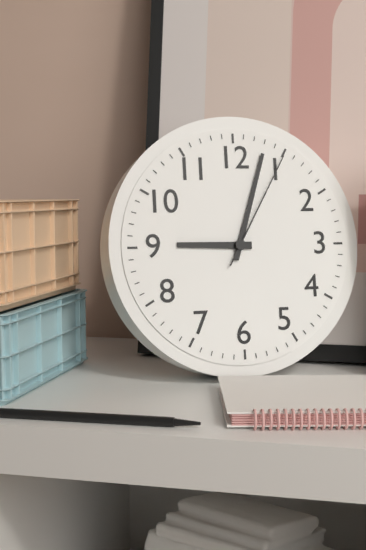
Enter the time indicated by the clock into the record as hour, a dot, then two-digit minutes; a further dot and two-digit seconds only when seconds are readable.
9.03.05
